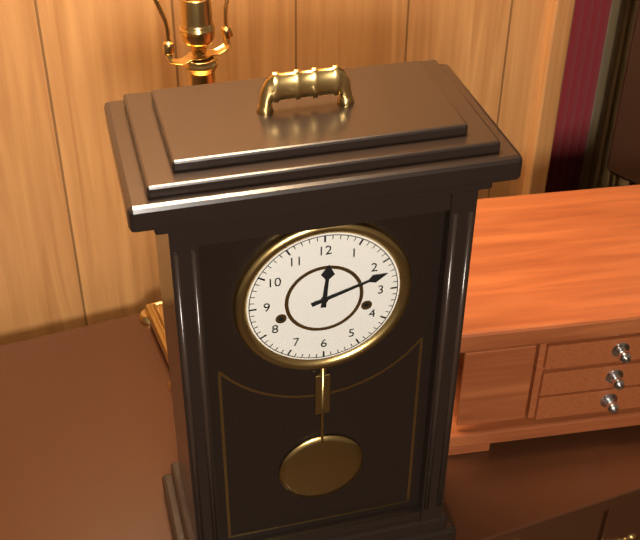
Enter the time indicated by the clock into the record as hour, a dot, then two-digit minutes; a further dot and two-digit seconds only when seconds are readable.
12.12
